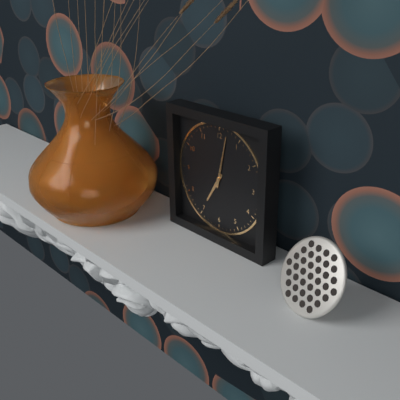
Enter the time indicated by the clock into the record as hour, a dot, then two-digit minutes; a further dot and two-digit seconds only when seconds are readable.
7.02
